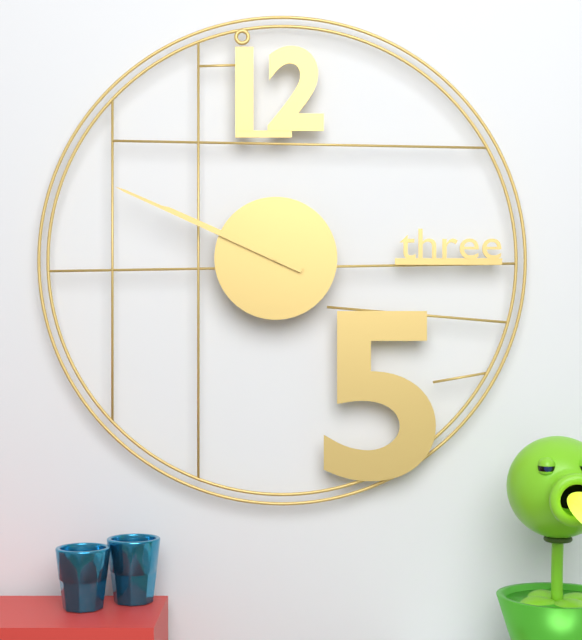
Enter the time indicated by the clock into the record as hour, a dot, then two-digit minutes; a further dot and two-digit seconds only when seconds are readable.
9.49
